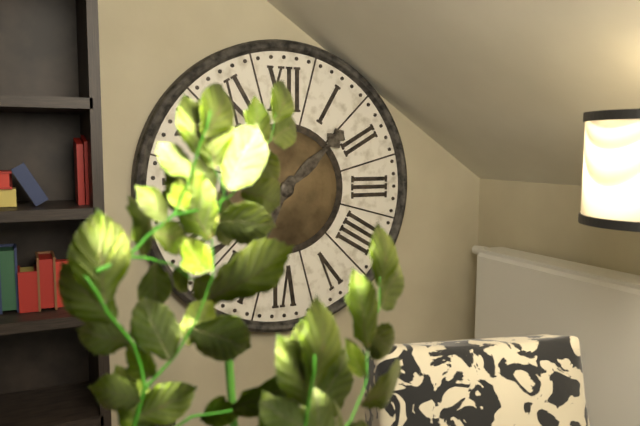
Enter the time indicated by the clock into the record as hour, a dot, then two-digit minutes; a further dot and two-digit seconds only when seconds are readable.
1.35
